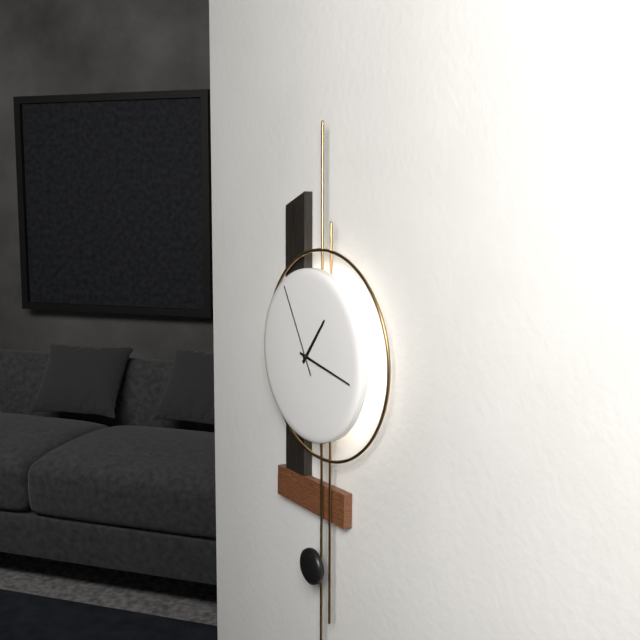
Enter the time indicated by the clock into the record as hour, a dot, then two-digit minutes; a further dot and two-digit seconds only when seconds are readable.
1.17.55
